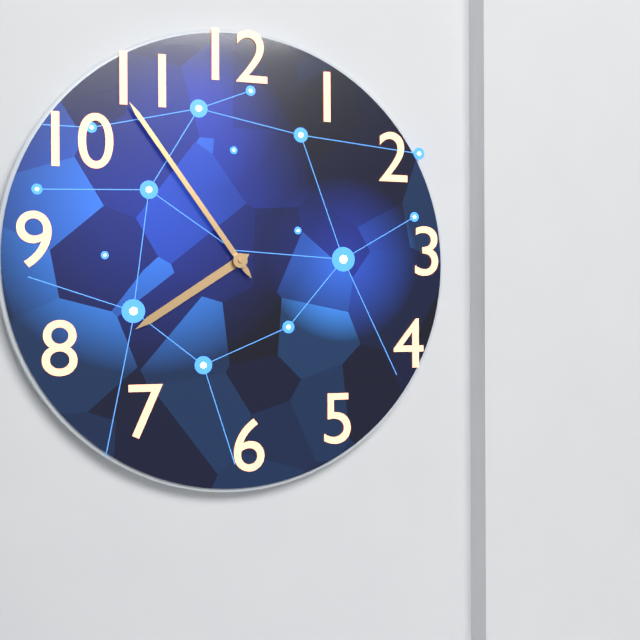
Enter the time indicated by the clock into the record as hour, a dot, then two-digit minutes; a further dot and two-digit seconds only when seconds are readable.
7.54
